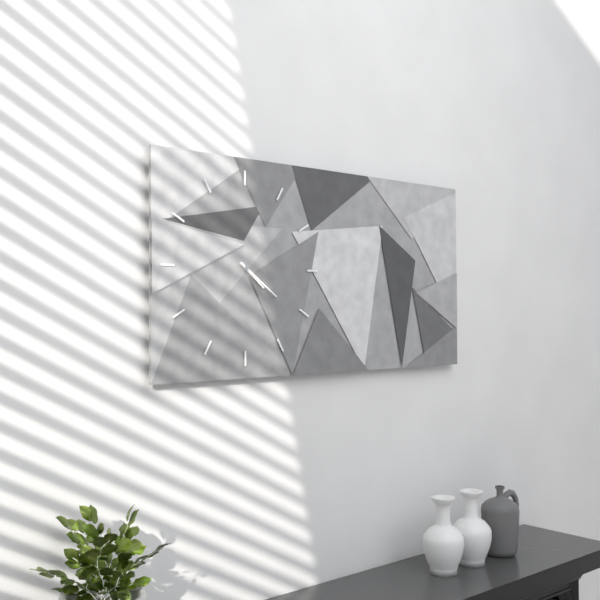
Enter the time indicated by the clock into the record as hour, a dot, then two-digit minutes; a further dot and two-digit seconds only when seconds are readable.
4.21
